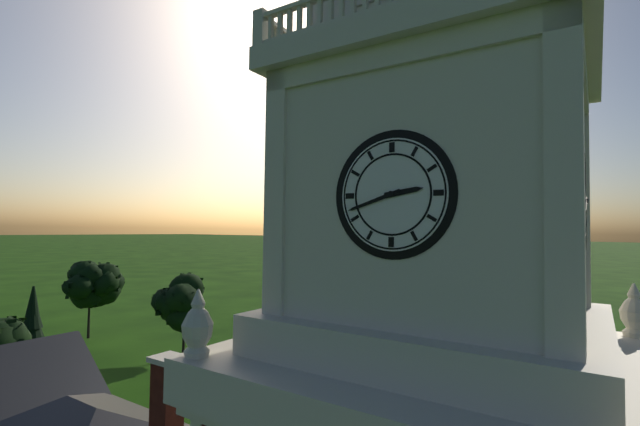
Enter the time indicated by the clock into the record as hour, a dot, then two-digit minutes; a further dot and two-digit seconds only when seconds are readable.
2.42
